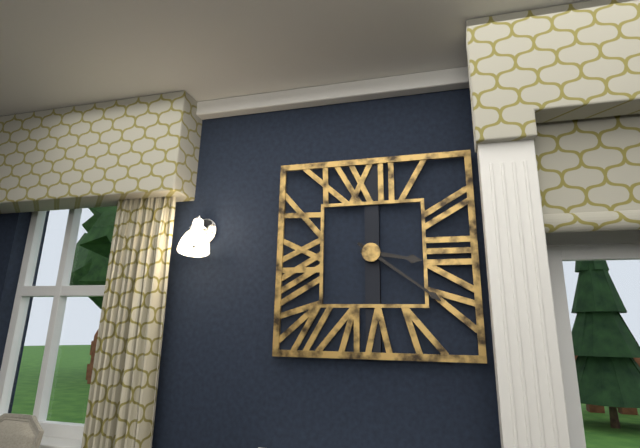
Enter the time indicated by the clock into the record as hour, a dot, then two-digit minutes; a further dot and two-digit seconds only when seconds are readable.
3.21
